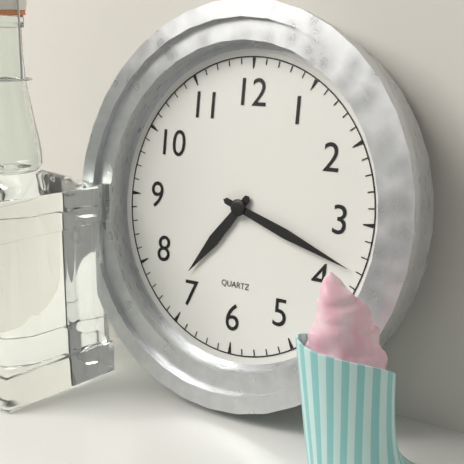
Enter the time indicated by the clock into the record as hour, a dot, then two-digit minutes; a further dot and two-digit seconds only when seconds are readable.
7.18
